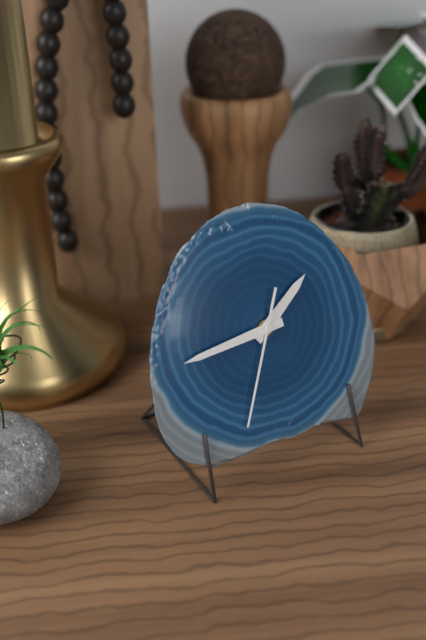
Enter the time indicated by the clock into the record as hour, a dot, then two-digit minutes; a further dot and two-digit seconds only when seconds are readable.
1.44.34
